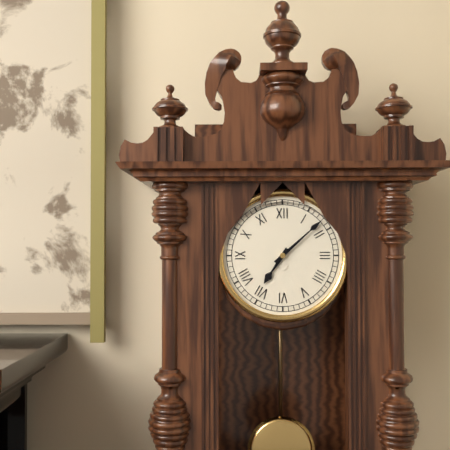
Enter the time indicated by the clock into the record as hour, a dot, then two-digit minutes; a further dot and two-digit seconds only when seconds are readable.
7.08
